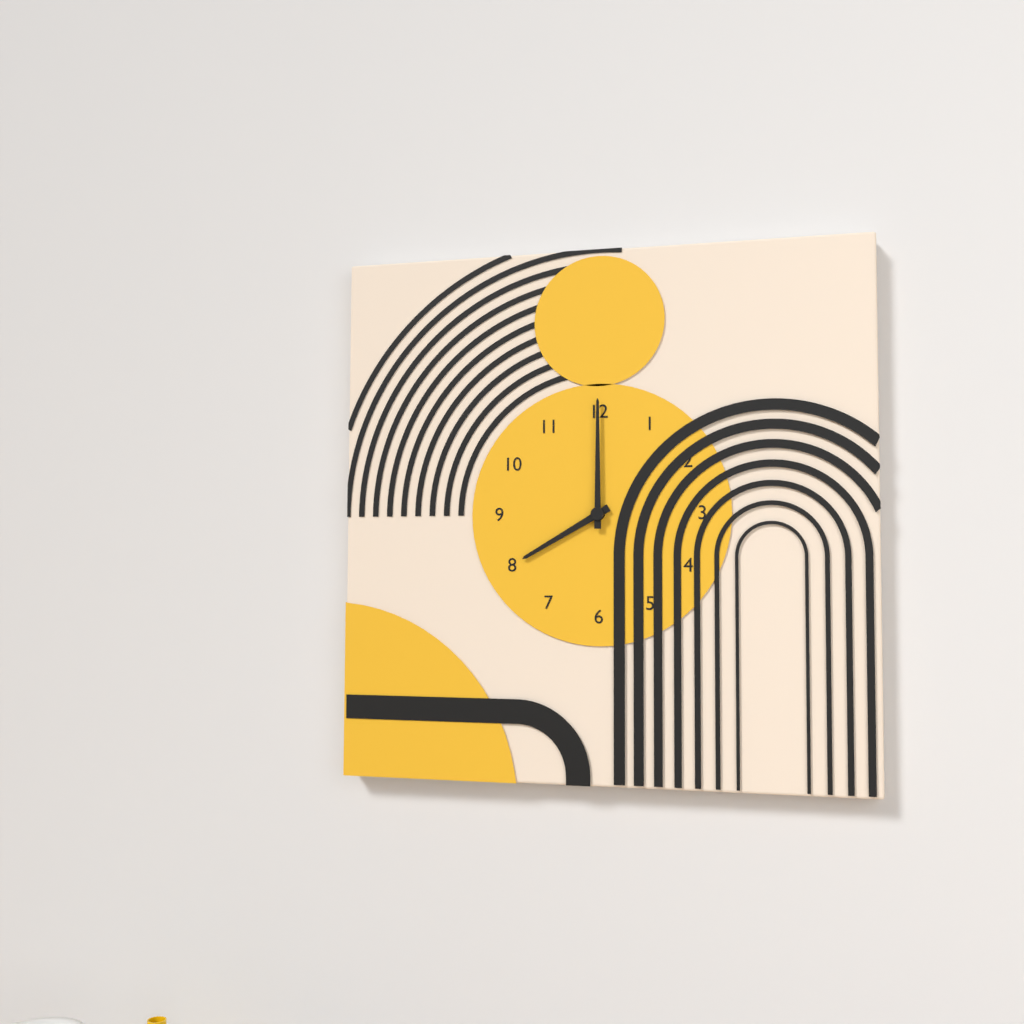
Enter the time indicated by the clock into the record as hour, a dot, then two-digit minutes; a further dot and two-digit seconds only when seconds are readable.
8.00
